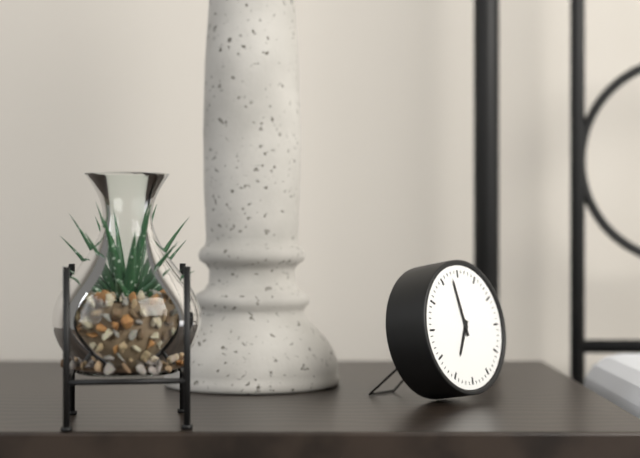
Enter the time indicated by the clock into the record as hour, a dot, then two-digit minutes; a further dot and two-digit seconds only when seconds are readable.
6.58
